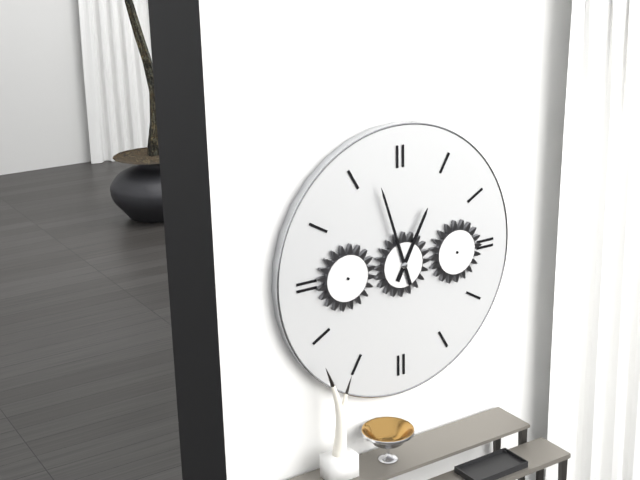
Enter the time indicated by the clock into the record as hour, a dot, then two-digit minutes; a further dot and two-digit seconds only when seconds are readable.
12.57
